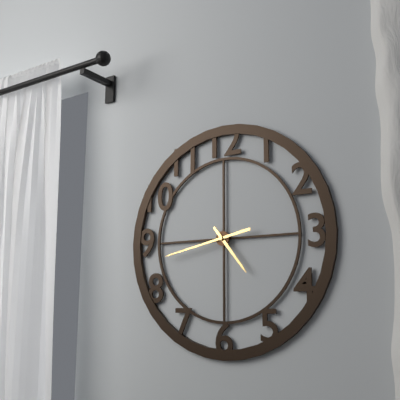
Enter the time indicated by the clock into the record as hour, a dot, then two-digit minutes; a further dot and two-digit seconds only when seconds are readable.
4.43
